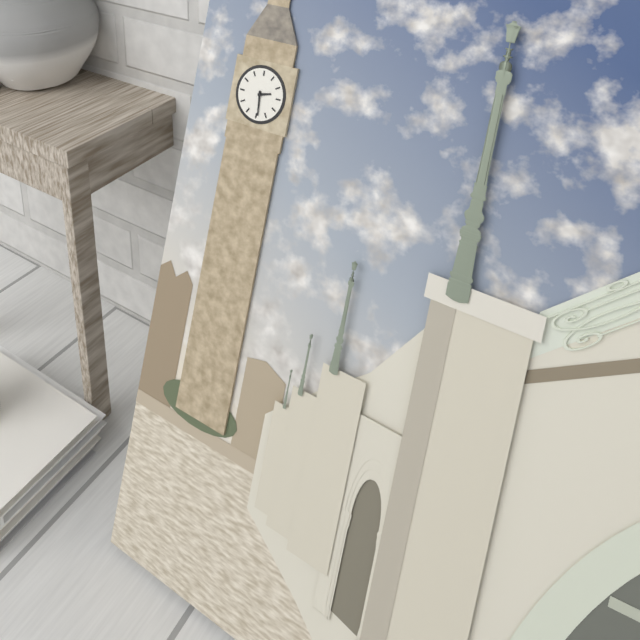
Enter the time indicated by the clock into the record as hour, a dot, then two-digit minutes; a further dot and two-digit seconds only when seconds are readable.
2.29
